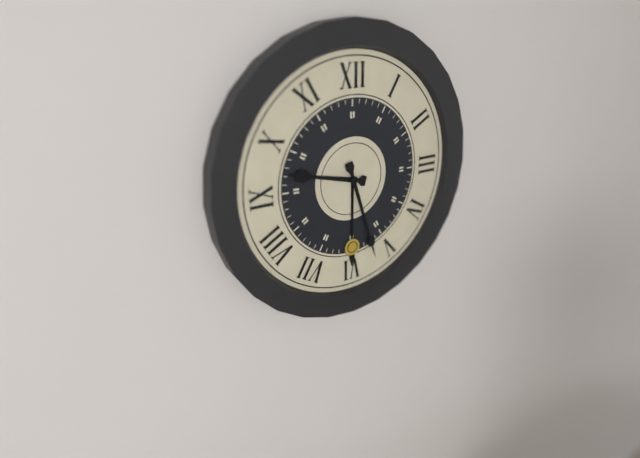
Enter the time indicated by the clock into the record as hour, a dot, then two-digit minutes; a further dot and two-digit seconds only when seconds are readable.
9.27
